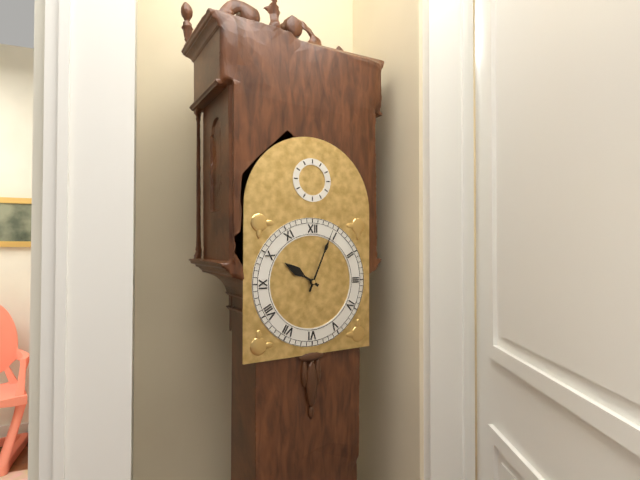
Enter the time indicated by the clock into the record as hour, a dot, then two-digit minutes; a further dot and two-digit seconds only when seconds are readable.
10.04
